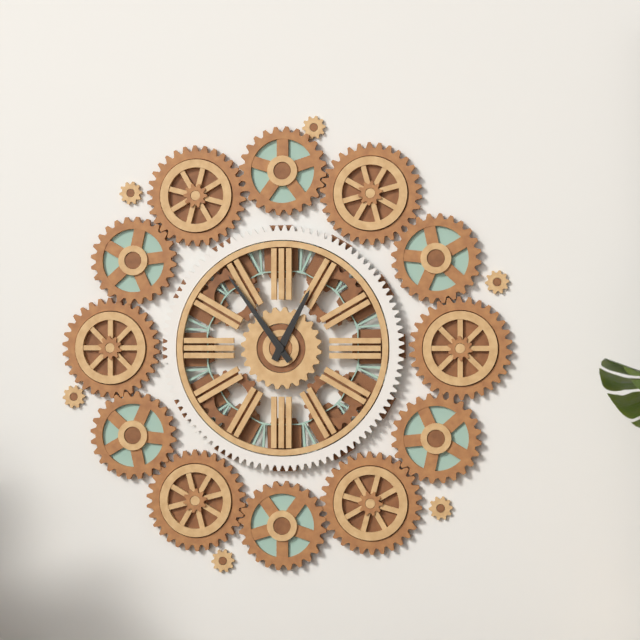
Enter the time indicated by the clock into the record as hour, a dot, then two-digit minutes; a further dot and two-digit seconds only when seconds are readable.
12.54
